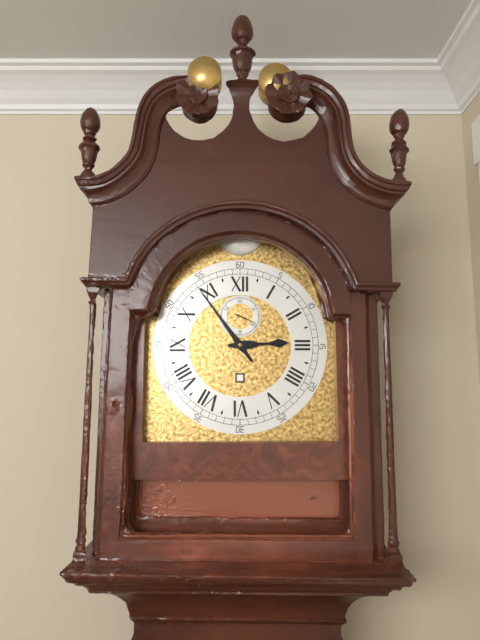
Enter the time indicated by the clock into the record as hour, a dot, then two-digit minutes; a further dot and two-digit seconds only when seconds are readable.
2.54
